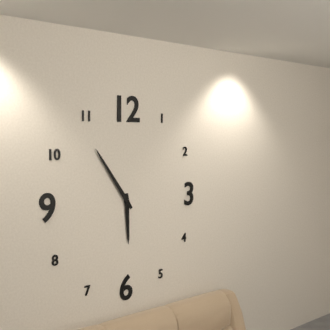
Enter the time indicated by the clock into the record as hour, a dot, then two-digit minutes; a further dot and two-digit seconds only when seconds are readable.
5.54
